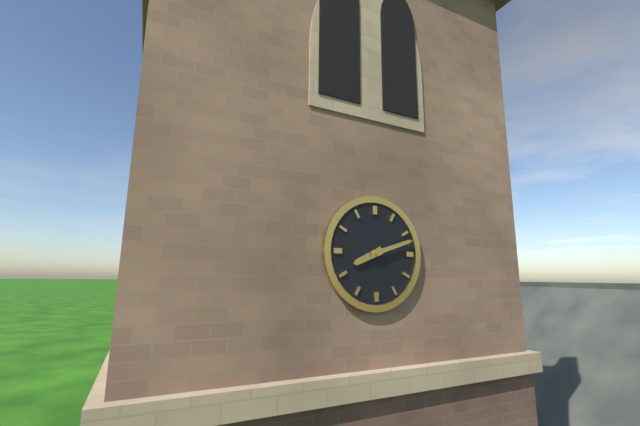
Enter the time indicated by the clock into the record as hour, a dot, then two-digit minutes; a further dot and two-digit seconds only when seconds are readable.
8.12
